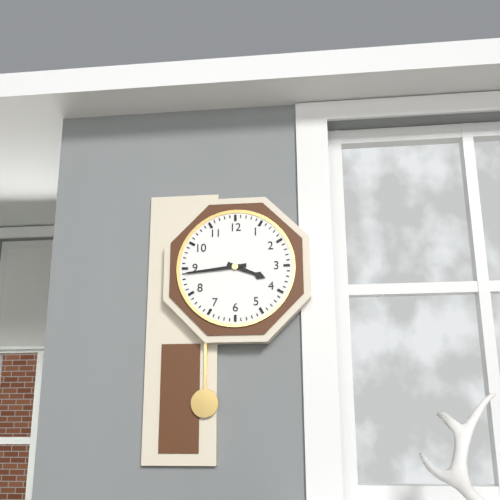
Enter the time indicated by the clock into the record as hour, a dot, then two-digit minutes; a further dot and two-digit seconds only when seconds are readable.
3.44
